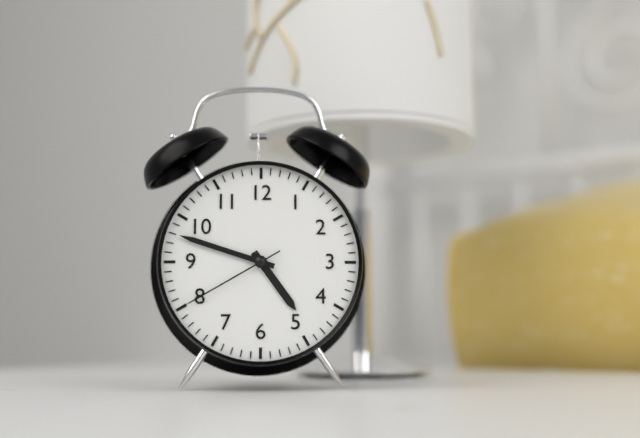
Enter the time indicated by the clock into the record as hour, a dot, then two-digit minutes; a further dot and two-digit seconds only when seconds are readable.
4.48.40
